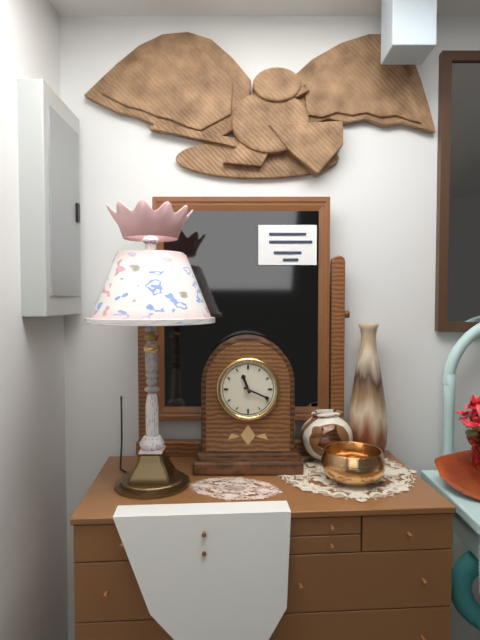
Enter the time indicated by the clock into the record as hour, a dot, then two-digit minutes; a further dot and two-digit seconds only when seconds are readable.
11.19
